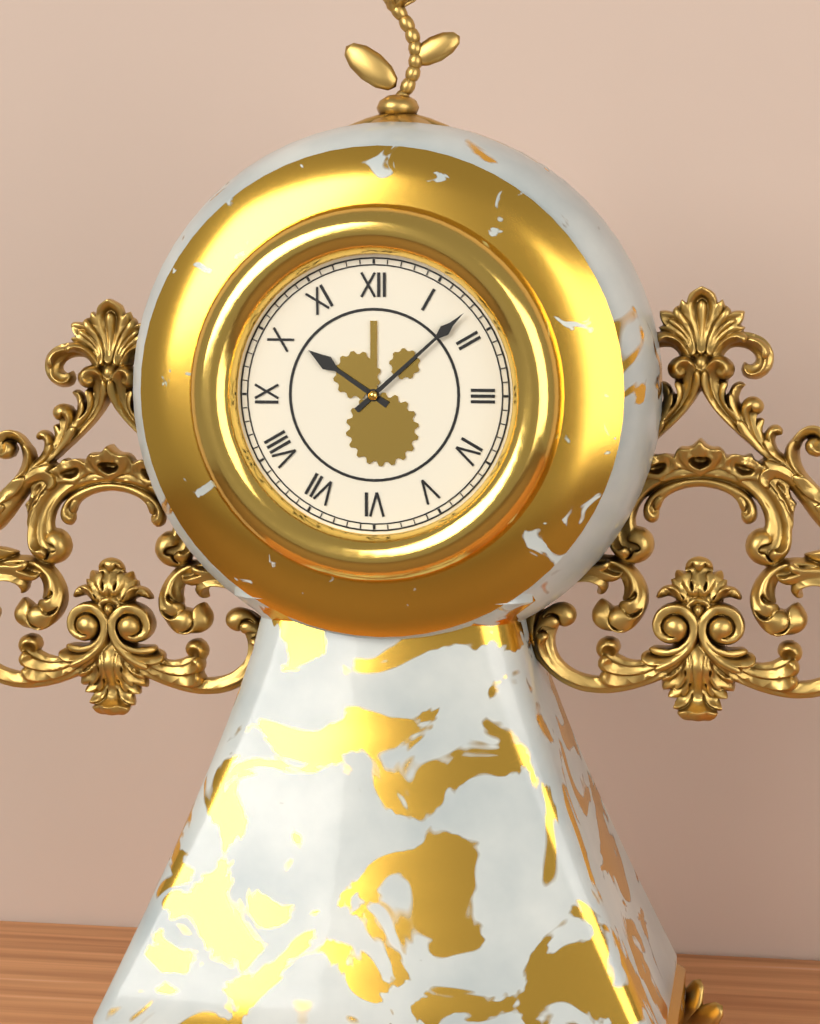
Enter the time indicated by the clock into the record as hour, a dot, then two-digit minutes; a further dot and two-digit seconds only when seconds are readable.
10.08
